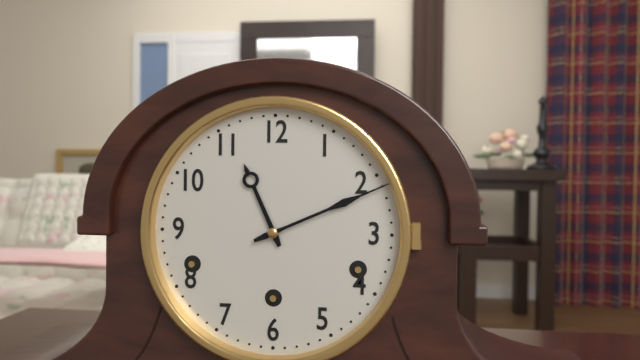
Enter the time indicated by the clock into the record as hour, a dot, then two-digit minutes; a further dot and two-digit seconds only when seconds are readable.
11.11
